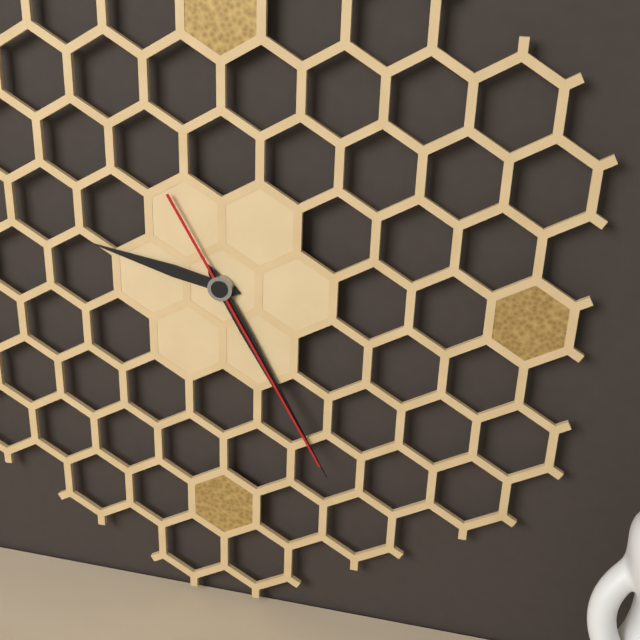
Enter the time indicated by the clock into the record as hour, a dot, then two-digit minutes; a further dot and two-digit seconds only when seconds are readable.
9.25.25
